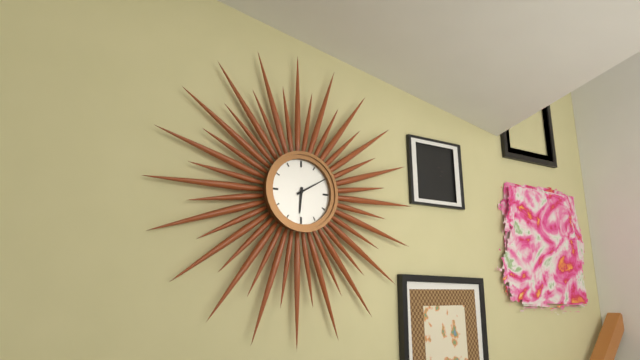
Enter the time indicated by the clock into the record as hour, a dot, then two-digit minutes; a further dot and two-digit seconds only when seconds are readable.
6.10
